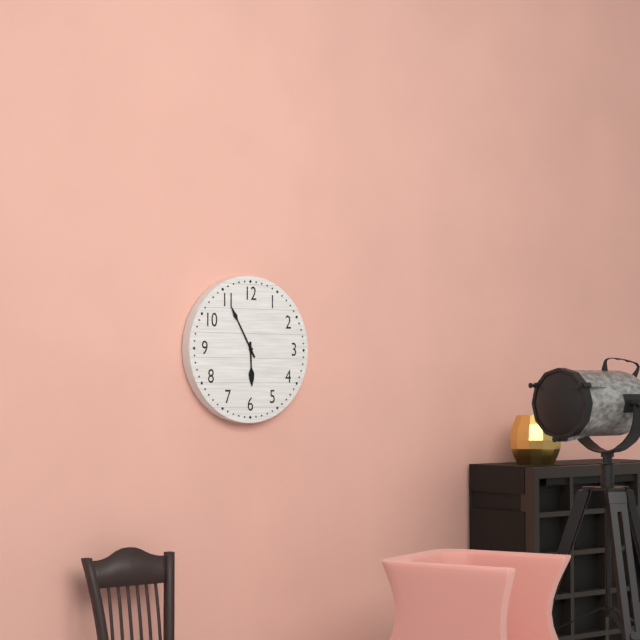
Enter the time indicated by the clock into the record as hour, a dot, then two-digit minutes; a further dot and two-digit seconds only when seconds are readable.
5.55
